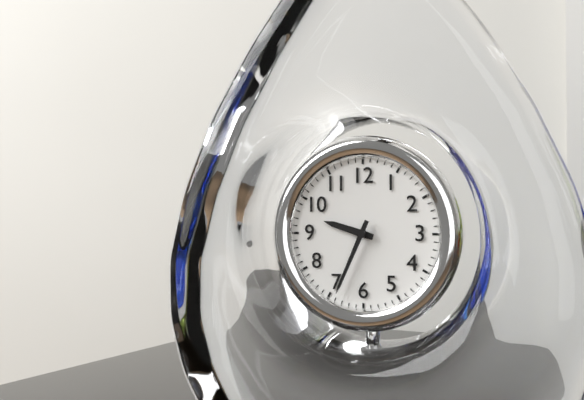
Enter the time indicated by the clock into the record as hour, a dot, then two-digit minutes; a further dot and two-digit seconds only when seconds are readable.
9.34
